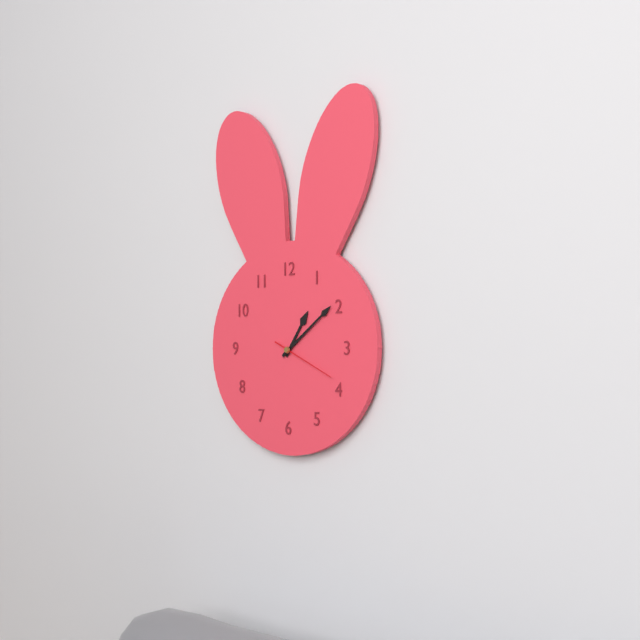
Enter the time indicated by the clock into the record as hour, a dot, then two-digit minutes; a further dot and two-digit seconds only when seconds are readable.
1.09.19
